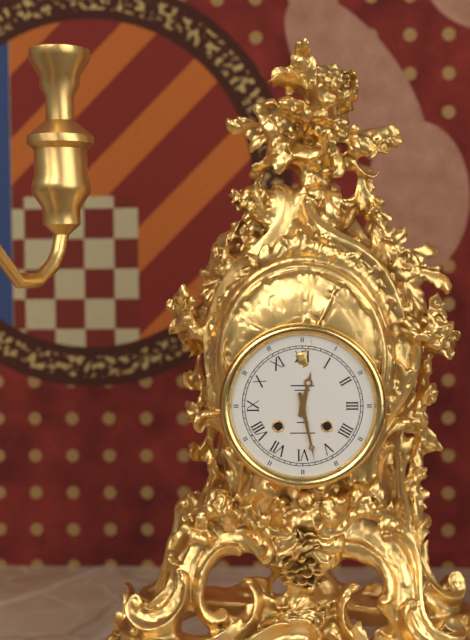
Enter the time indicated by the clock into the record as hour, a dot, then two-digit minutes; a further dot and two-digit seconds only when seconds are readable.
12.28
